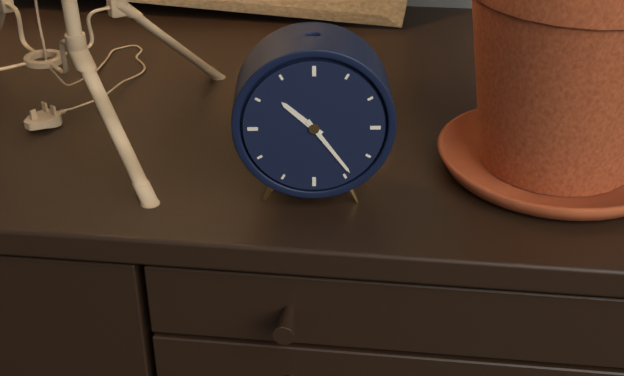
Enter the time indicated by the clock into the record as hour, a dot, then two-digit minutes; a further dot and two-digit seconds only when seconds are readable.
10.24
